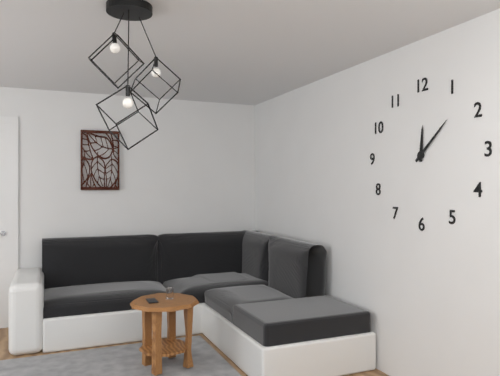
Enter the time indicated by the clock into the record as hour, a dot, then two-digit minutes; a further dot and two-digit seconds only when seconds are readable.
12.08
